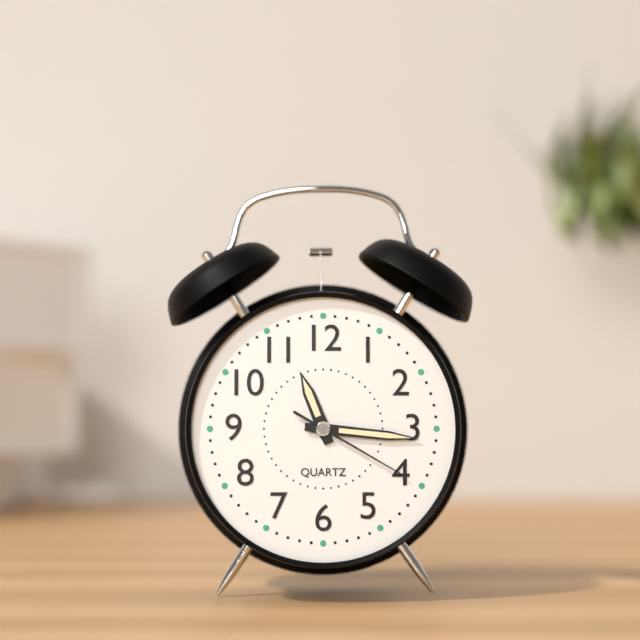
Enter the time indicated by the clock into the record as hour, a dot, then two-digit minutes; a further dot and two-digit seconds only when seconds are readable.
11.16.20
